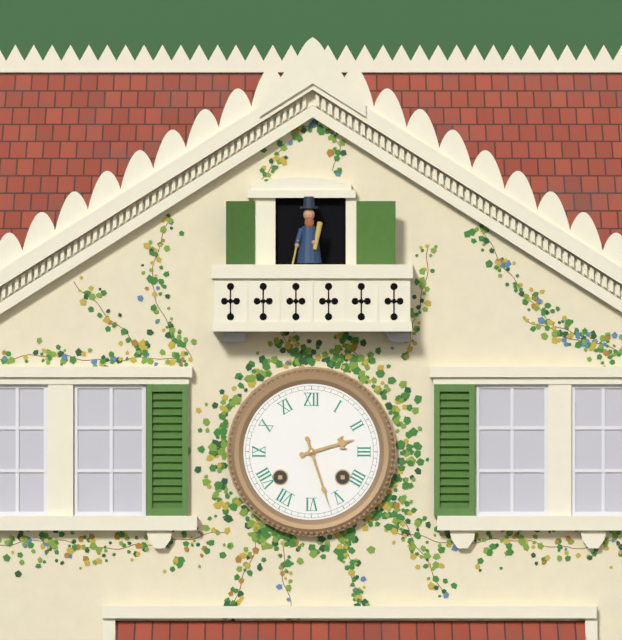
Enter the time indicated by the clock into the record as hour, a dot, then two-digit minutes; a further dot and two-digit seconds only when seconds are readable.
2.27
